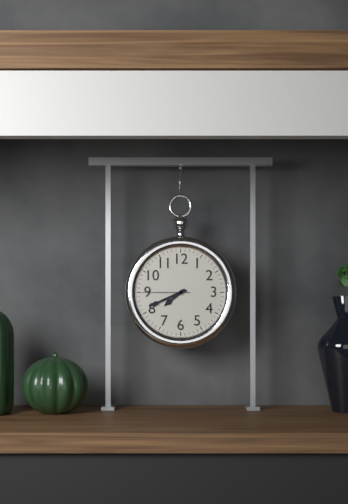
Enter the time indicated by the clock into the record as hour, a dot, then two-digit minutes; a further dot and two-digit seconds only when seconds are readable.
7.41
